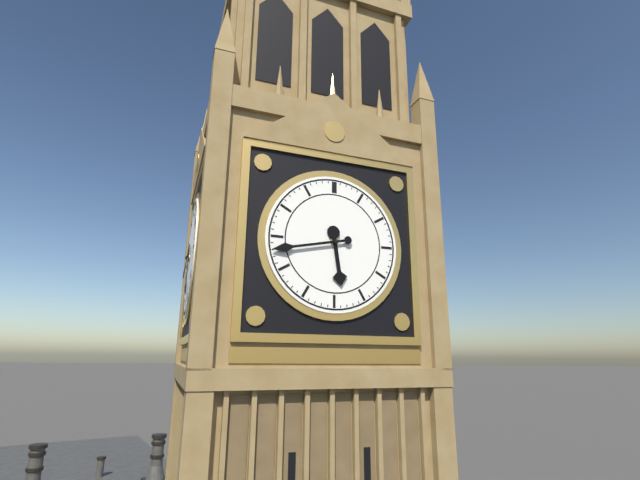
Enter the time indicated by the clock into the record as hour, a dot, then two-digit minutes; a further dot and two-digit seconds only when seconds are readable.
5.43
